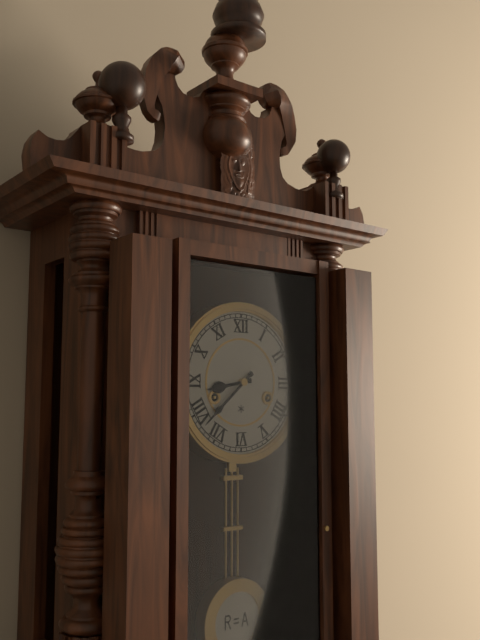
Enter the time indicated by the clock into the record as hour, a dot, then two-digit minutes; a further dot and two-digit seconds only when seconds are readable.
8.38
